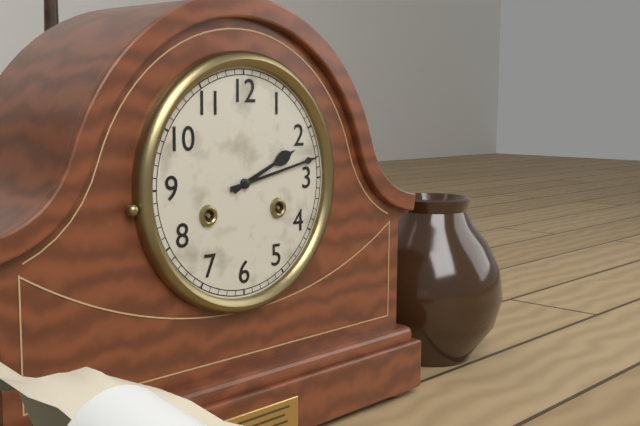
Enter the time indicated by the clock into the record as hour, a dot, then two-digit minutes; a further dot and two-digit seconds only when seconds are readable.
2.13
